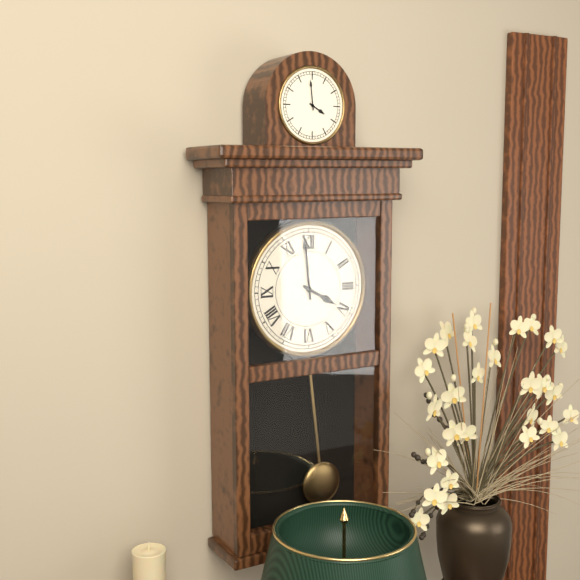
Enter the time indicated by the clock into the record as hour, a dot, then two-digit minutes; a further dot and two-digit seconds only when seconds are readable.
3.59
